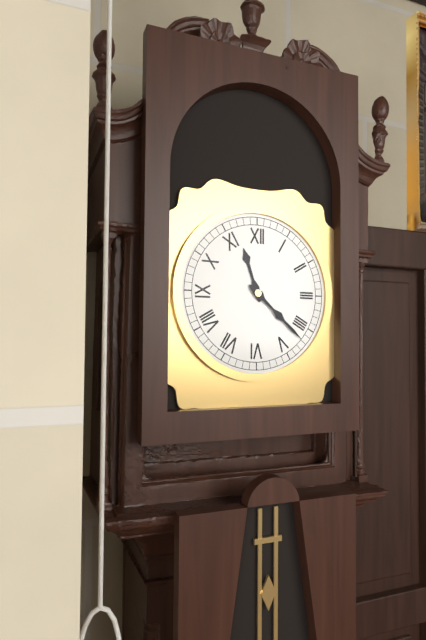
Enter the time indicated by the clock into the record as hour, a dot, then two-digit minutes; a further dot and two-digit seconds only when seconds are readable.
11.22
